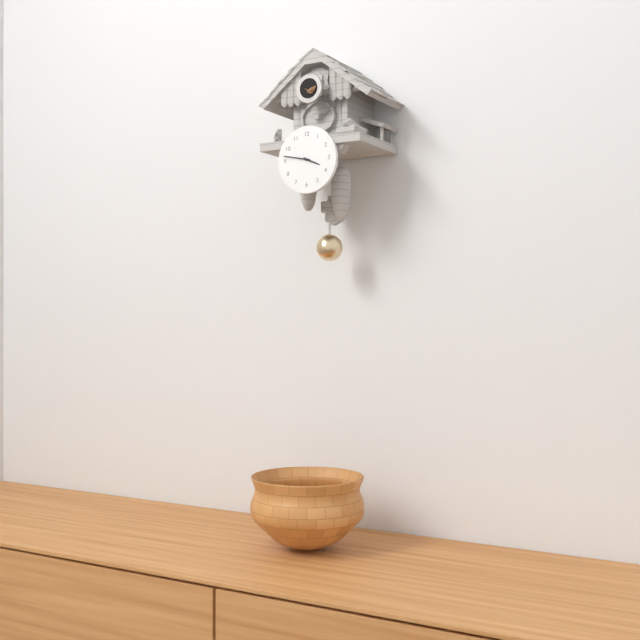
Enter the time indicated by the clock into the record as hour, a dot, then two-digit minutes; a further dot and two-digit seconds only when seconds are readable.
3.47
